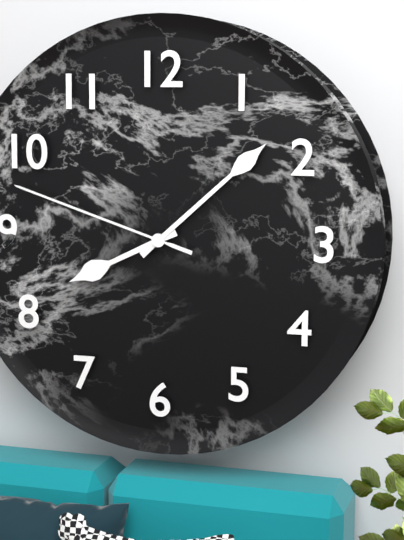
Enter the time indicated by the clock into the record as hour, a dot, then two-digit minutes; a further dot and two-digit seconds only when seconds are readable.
8.08.48
